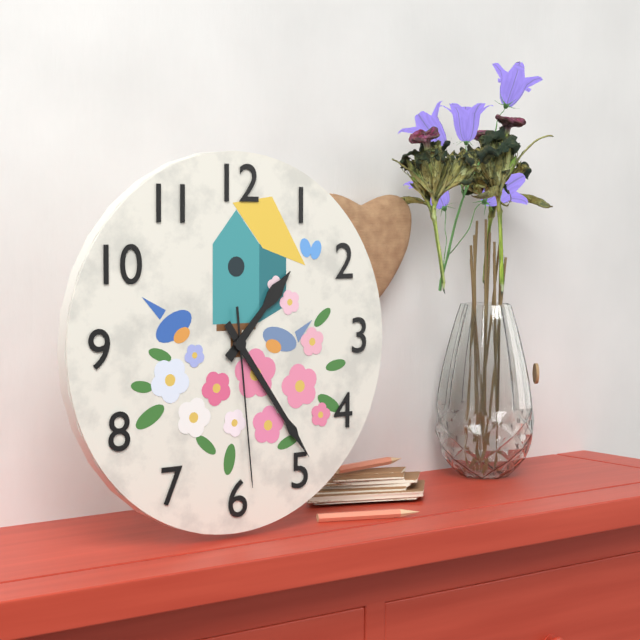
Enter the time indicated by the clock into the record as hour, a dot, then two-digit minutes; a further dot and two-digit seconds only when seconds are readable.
1.24.29
